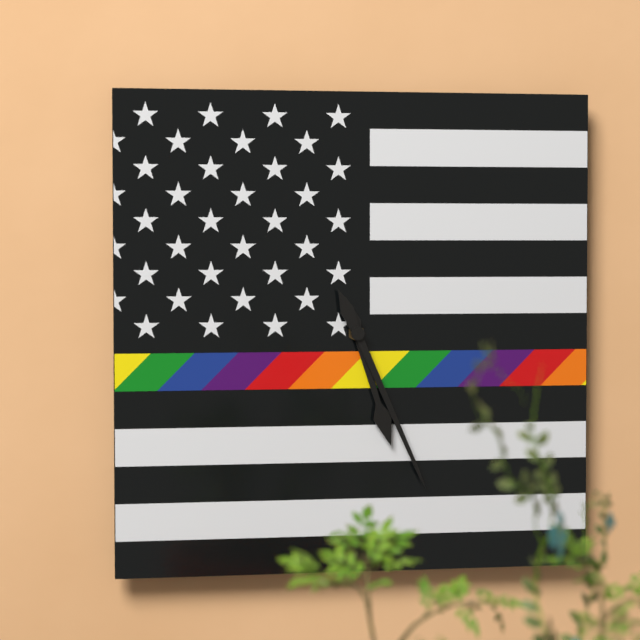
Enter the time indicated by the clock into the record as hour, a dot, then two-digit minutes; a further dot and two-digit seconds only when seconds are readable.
5.26
